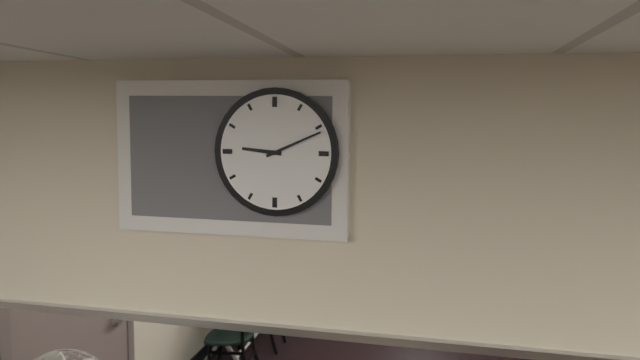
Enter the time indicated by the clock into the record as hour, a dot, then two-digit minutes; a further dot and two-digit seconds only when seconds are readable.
9.11
